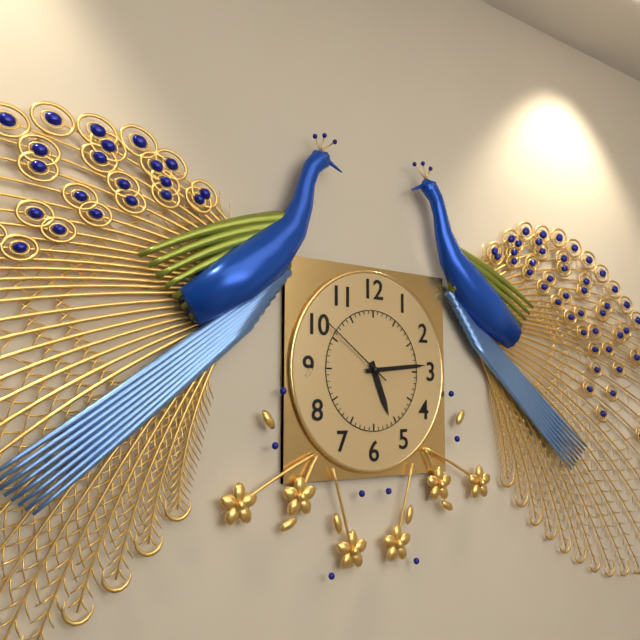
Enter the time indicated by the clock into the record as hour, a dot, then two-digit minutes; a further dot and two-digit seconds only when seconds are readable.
5.14.51
